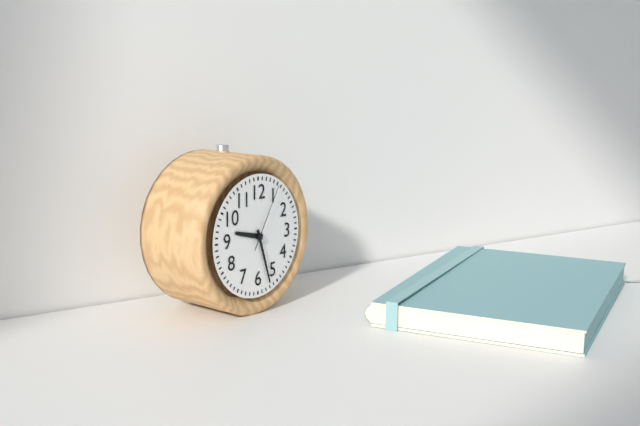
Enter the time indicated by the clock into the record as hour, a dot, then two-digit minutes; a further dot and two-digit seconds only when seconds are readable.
9.27.05
